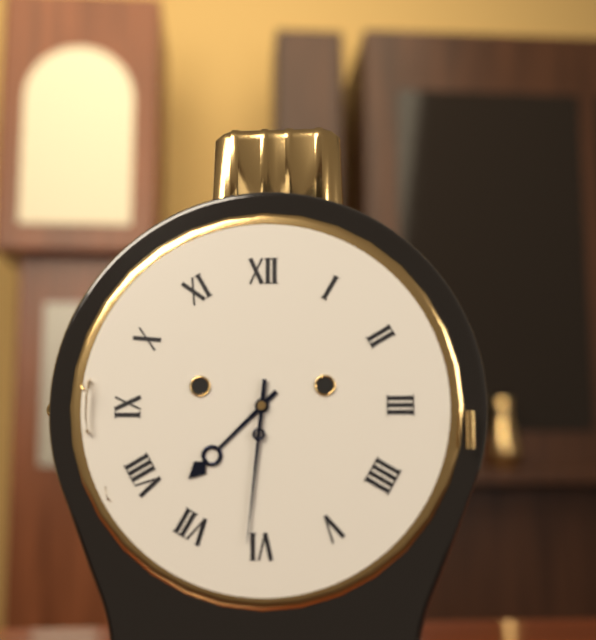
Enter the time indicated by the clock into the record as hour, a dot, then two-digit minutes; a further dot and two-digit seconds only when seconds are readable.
7.31
